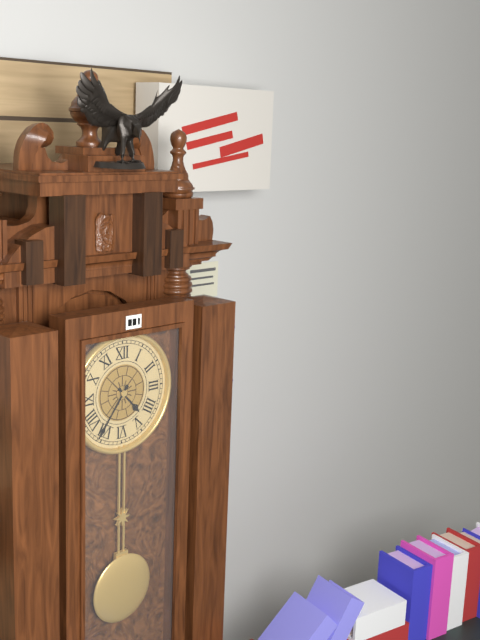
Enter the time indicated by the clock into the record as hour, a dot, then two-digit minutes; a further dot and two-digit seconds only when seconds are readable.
4.36
